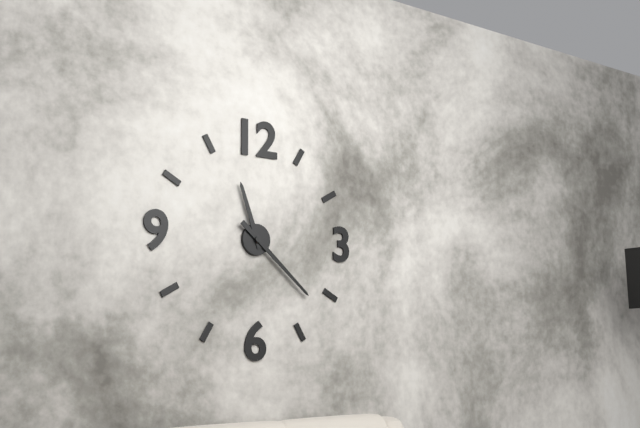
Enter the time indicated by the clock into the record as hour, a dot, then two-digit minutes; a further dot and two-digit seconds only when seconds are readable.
11.22
